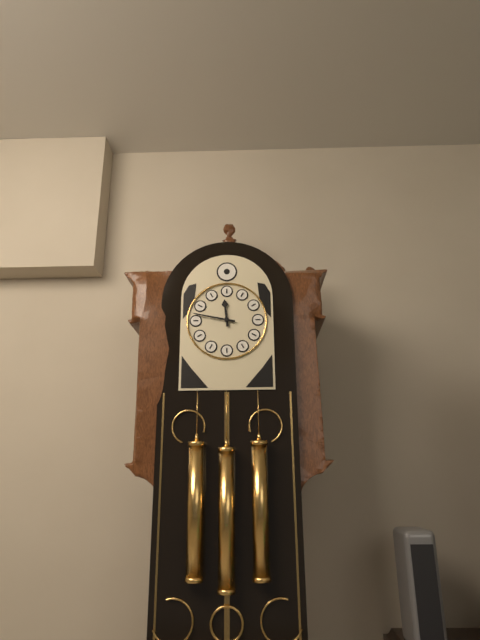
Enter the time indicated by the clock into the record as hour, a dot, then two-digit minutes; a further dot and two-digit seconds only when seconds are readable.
11.47
